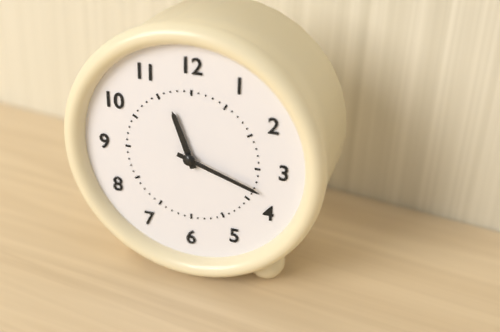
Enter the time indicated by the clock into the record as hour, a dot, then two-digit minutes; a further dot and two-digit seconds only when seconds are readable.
11.18
